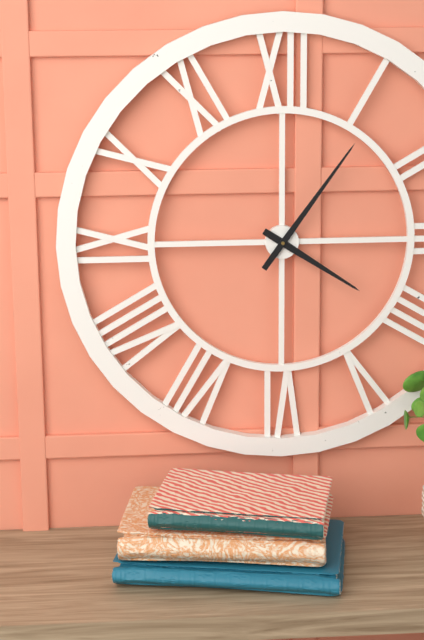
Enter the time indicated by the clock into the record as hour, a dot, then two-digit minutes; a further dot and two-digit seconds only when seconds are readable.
4.06
